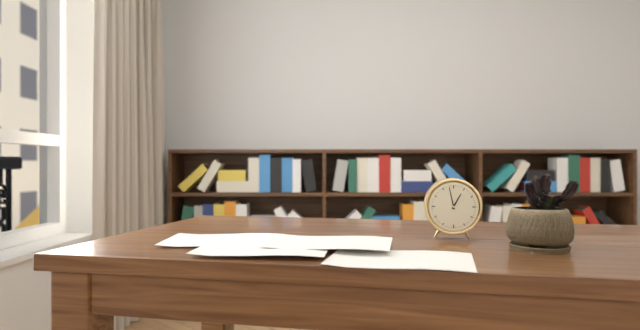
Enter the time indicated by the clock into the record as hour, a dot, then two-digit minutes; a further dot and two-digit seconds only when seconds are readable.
12.58
